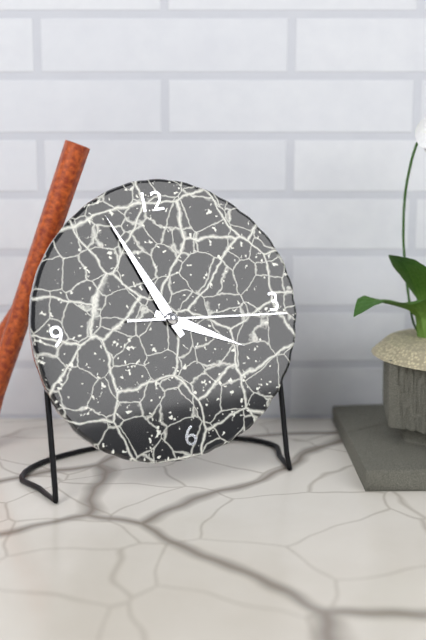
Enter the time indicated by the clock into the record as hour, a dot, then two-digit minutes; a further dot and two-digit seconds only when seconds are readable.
3.56.16
